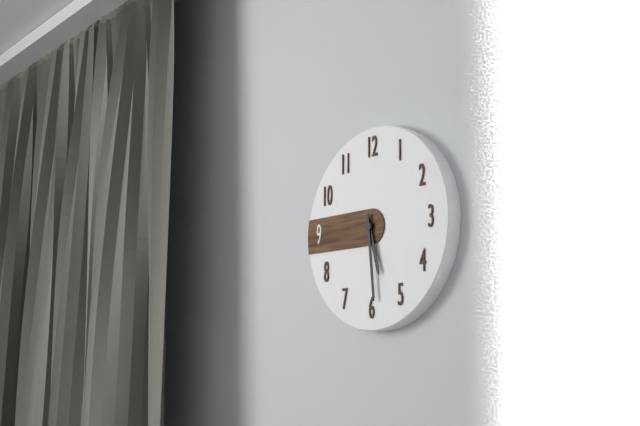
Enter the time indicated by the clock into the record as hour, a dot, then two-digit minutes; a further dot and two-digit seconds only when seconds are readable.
5.29
